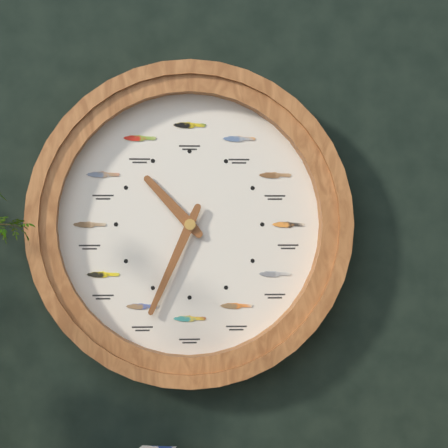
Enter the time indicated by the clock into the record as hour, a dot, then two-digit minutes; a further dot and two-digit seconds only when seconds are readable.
10.34
